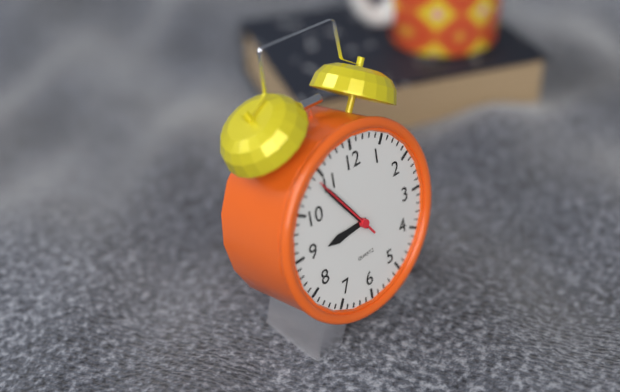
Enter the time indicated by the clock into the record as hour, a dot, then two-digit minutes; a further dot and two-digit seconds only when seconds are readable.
8.54.54
